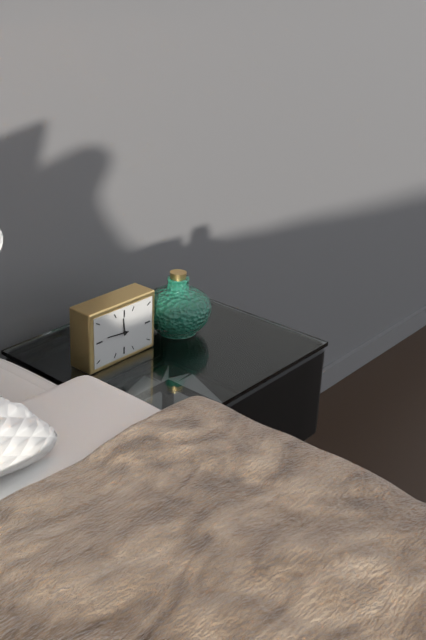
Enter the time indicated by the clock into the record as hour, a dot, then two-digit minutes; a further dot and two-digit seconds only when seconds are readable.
11.46
